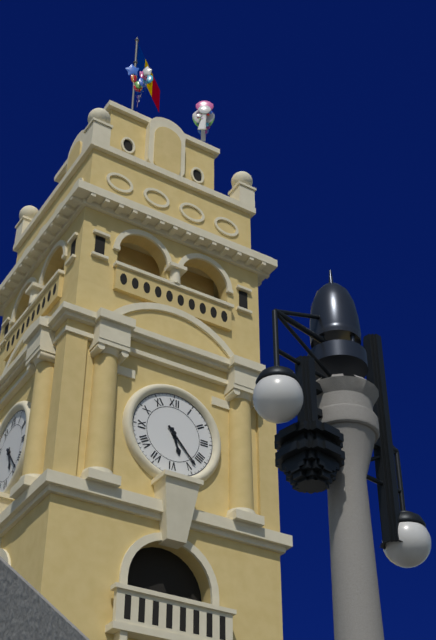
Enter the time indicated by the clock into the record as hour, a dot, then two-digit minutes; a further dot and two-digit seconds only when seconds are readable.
5.23
